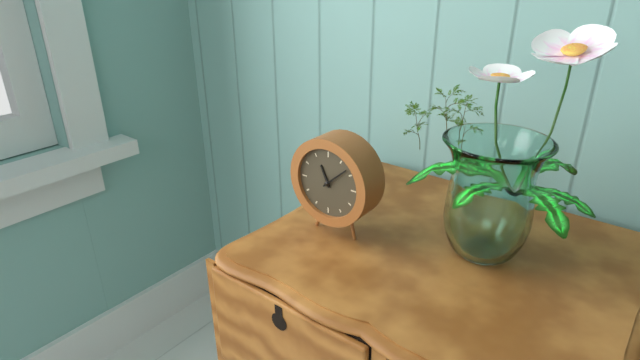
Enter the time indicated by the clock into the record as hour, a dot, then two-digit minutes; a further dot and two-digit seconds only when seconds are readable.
11.08
